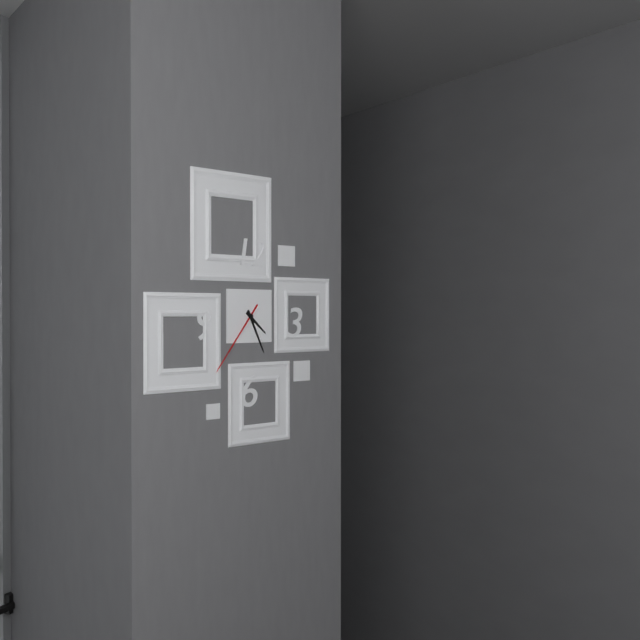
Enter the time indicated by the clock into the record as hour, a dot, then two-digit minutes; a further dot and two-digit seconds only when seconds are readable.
4.26.36
